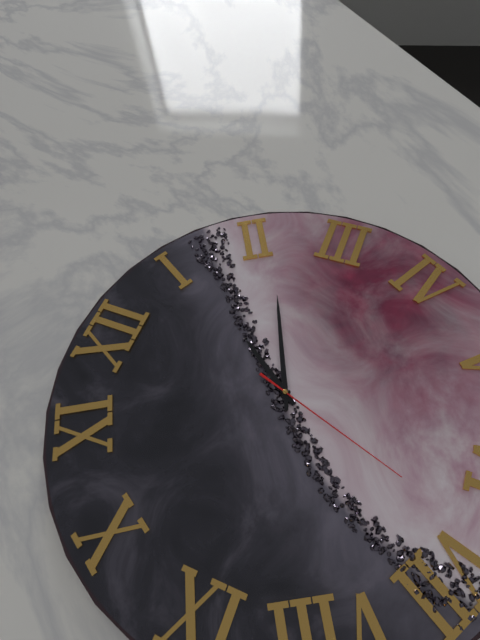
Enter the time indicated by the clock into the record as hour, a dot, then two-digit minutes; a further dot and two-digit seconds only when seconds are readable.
1.11.33
